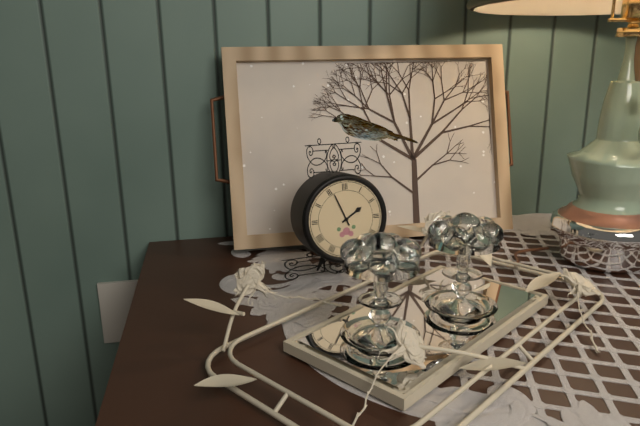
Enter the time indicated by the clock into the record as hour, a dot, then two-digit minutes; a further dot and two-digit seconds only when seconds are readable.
1.56
